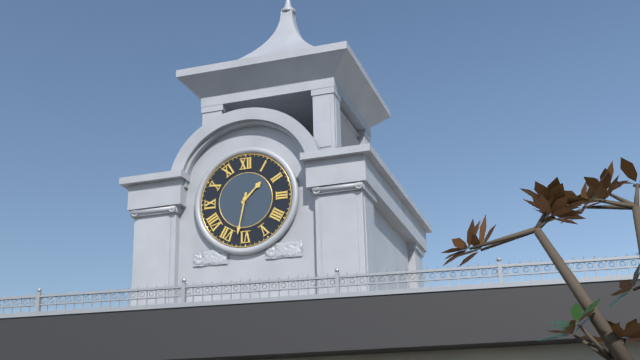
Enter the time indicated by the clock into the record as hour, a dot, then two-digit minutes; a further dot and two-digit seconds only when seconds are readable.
1.32
